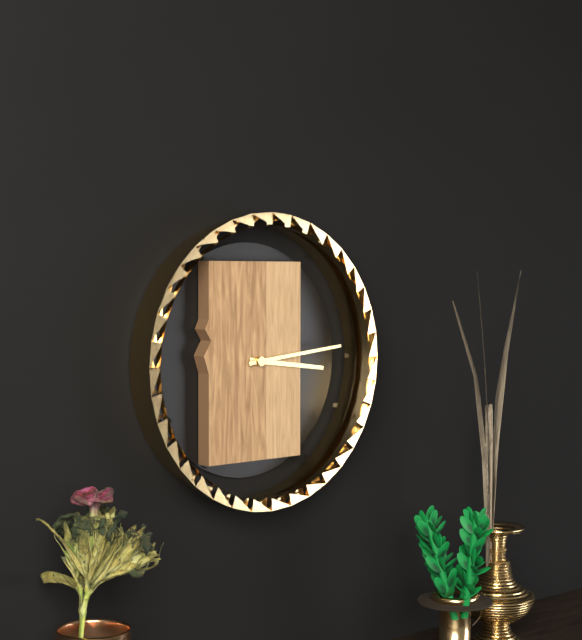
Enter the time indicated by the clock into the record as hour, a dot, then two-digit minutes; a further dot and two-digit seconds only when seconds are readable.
3.14
